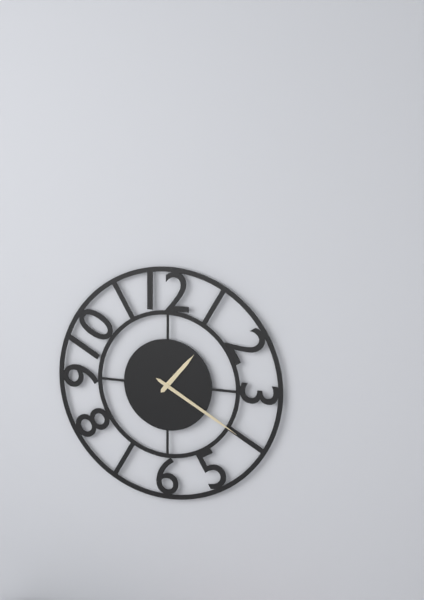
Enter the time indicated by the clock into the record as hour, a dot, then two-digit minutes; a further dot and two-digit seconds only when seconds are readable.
1.20
